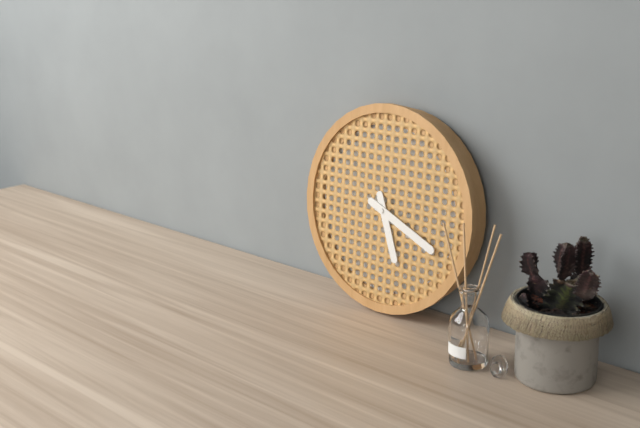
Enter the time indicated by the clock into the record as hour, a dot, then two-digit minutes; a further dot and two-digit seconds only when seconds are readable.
5.19
